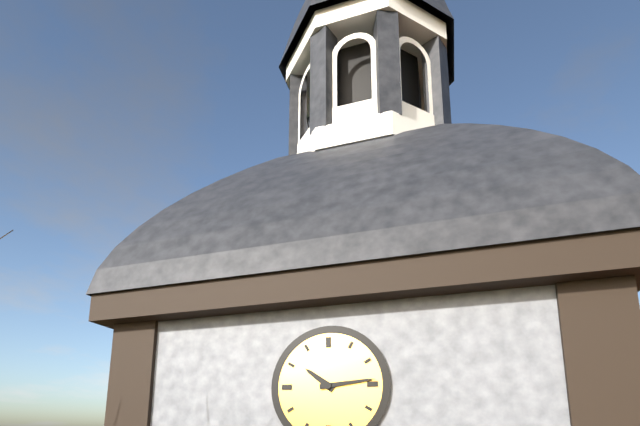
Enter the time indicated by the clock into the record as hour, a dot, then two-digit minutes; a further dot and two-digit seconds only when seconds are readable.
10.14
